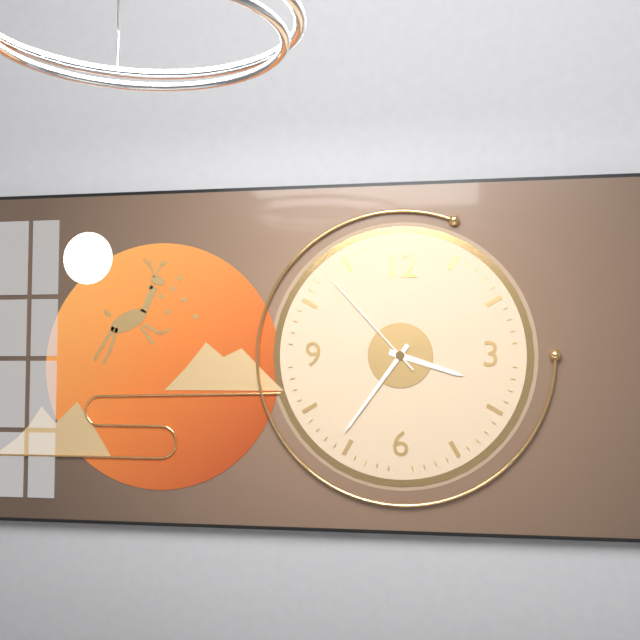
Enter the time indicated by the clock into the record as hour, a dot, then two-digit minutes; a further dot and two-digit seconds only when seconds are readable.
3.36.53
